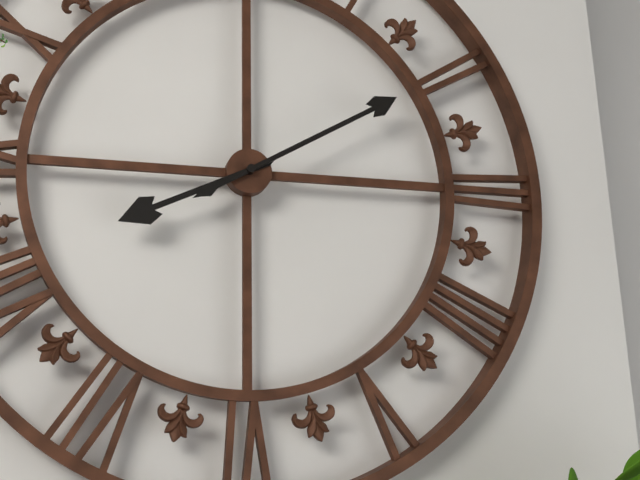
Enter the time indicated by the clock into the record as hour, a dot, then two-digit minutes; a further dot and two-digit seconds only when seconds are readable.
8.10
